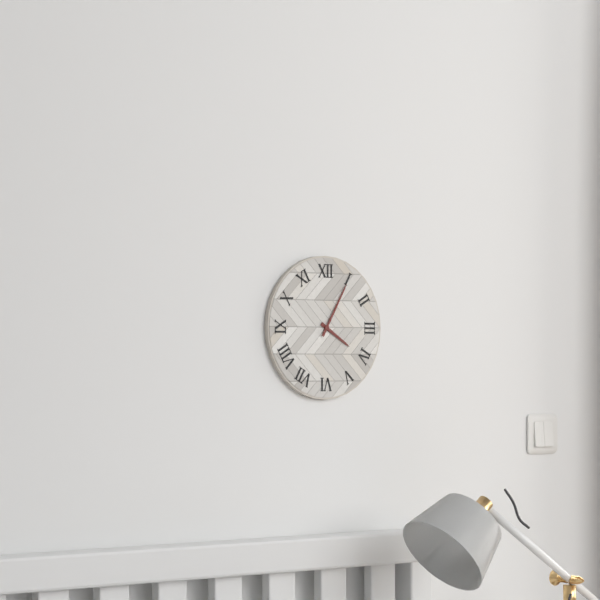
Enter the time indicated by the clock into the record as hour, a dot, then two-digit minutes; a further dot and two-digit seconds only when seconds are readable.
4.05
